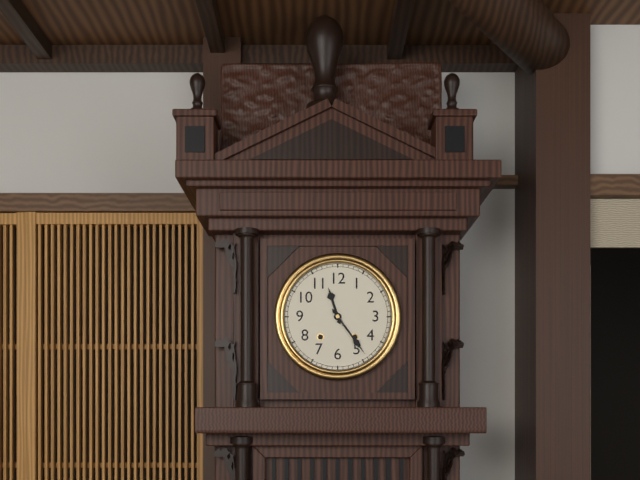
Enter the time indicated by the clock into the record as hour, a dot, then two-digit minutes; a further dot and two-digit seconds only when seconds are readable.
11.24
